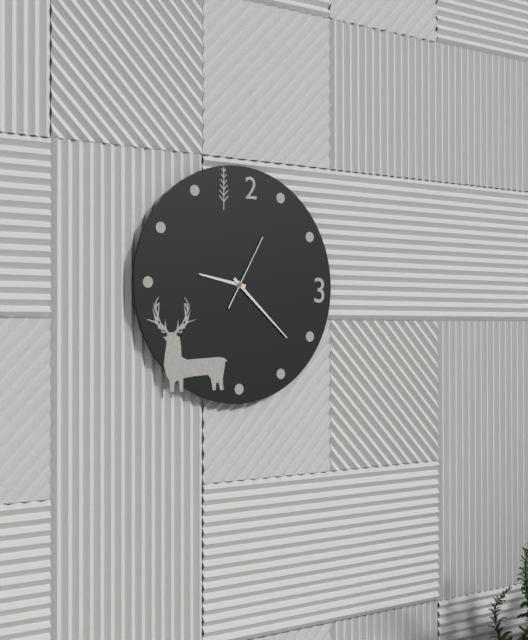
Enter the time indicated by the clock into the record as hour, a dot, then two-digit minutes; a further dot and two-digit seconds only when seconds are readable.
9.22.05
